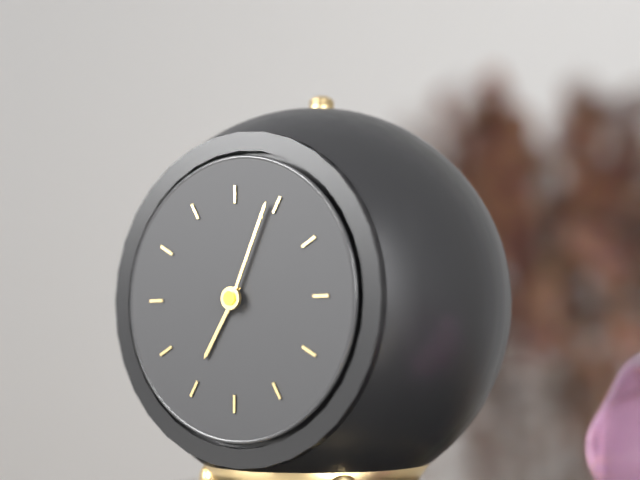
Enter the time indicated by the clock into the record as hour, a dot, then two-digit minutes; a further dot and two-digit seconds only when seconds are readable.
7.04
